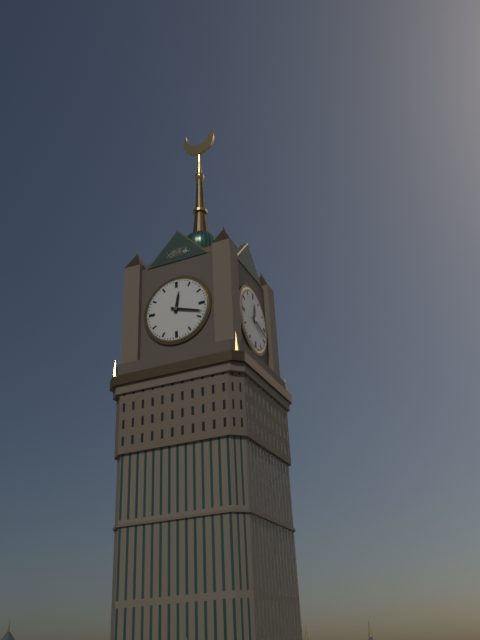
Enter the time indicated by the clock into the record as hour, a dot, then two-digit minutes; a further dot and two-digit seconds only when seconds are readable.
12.18
